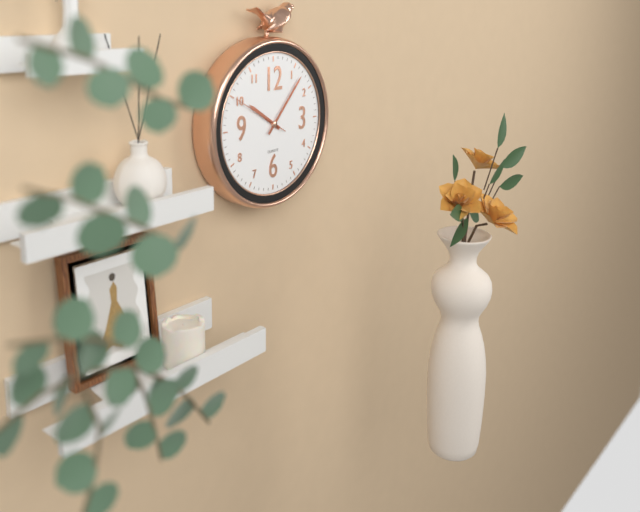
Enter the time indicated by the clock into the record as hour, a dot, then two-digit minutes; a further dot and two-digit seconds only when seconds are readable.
10.07
